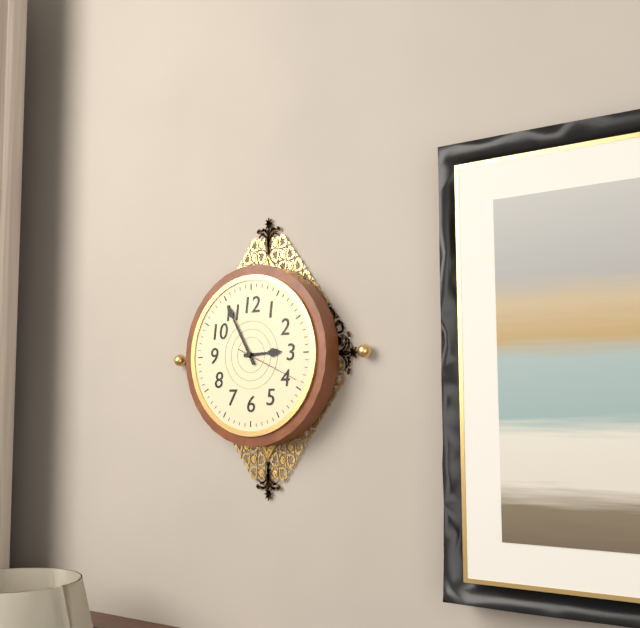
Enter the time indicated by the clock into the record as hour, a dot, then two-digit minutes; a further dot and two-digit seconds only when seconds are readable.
2.55.19
